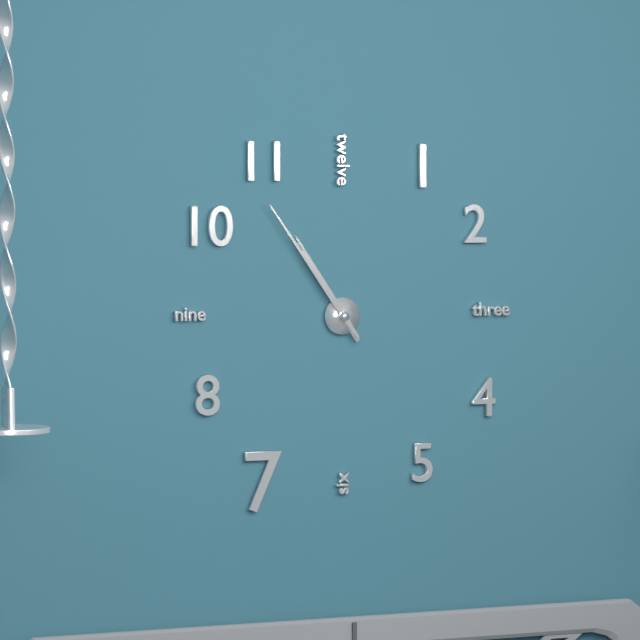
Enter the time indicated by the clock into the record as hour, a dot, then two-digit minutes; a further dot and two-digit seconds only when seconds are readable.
10.54
